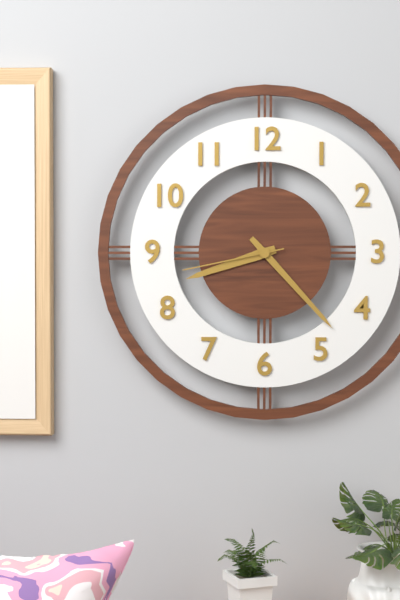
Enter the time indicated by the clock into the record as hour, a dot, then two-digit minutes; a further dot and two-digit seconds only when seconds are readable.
8.23.43
